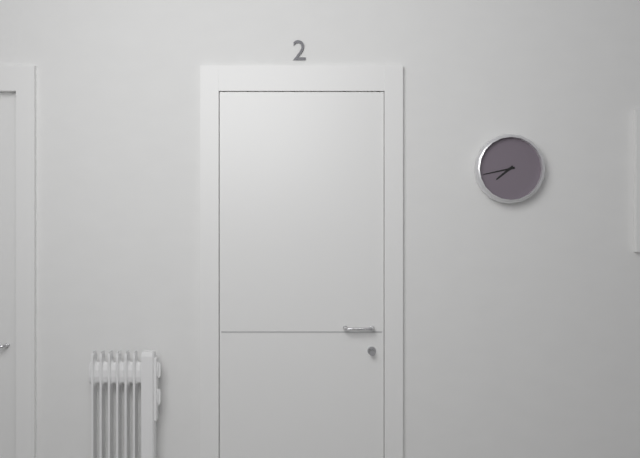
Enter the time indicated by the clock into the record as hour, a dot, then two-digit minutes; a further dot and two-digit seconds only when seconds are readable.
7.43
